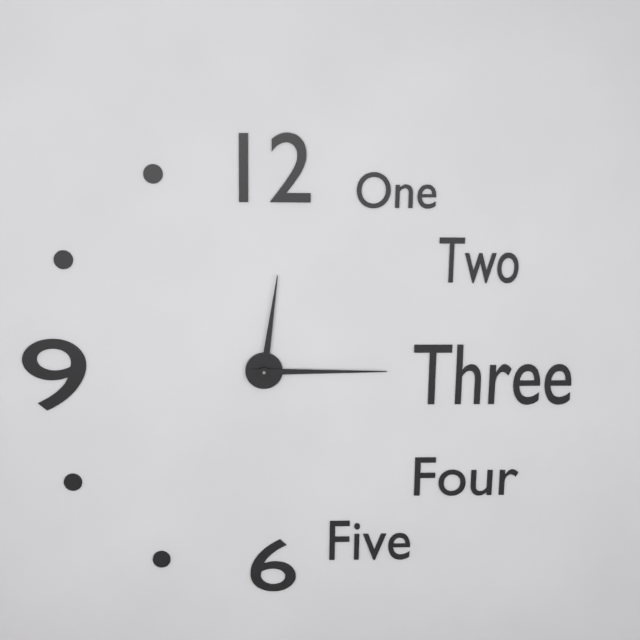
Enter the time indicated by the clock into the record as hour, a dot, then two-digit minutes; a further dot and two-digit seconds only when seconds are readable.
12.15
